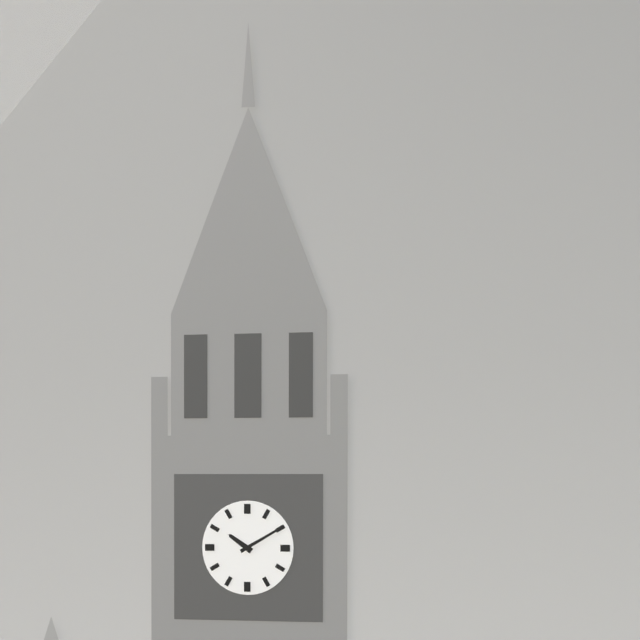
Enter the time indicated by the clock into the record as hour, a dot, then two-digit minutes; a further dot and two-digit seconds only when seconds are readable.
10.10
